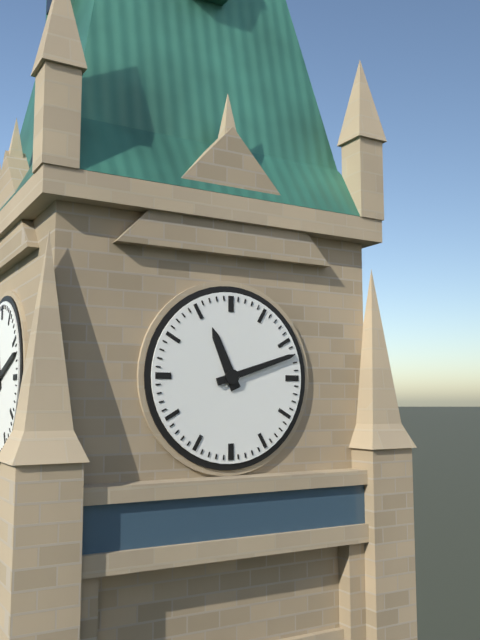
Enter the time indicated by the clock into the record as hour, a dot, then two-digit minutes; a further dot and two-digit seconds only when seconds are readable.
11.12
